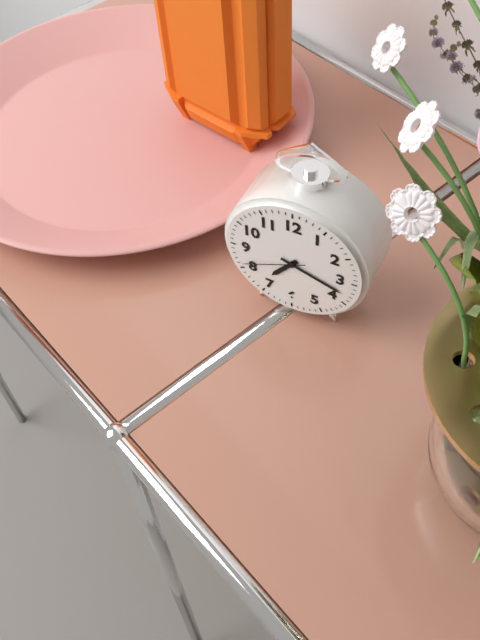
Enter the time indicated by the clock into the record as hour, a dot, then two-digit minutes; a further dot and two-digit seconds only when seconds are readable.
7.18.41
